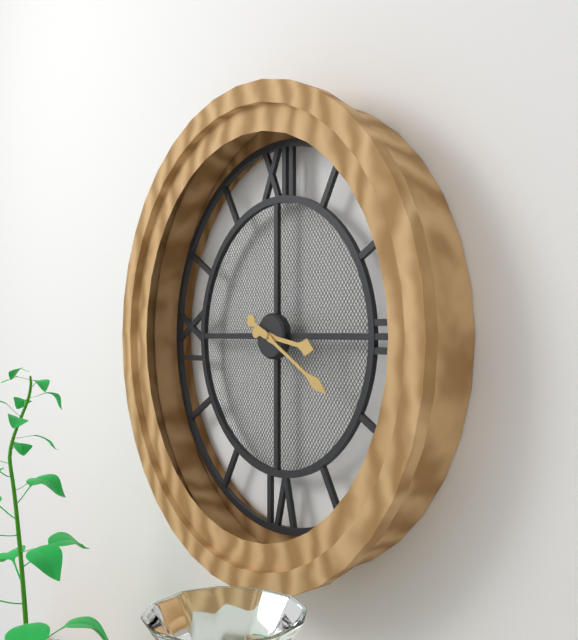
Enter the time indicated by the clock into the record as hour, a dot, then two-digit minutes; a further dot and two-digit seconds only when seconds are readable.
3.20
